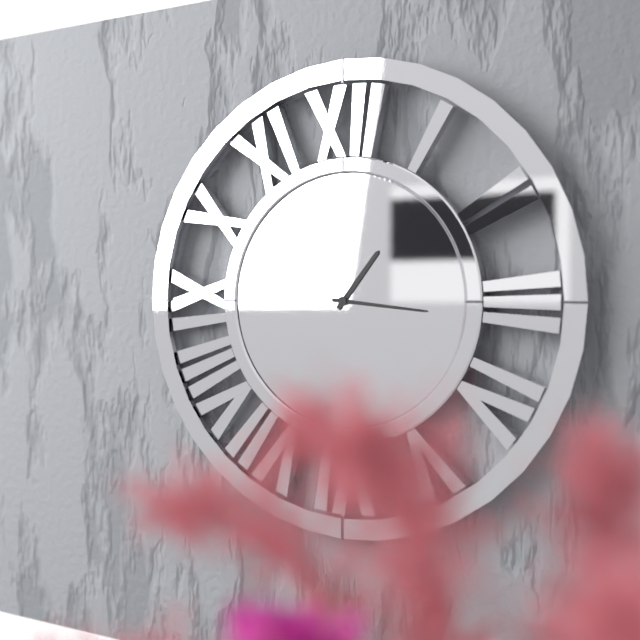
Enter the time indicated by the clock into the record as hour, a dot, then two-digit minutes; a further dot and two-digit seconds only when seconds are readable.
1.16
